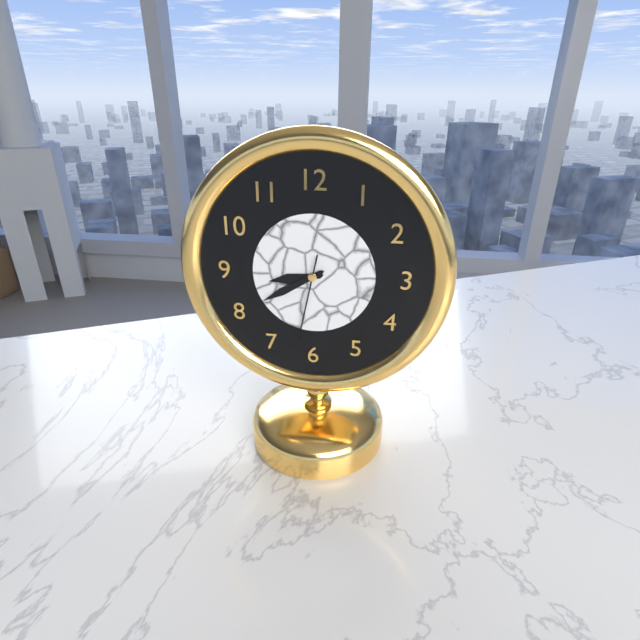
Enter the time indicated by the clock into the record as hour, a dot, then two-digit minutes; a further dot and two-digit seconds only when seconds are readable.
8.40.32
